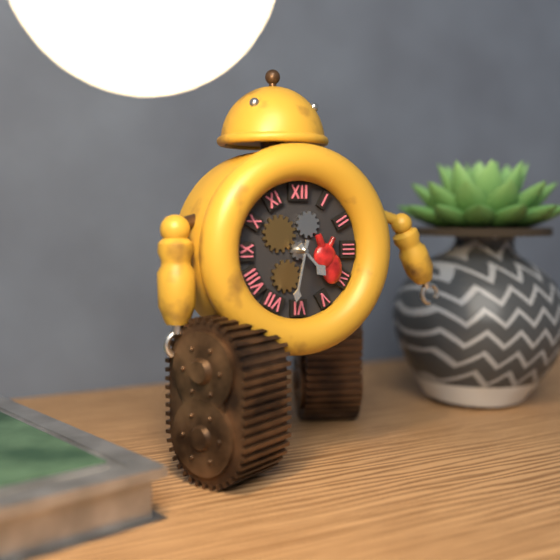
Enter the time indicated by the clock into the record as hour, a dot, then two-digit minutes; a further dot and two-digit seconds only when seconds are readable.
4.32
